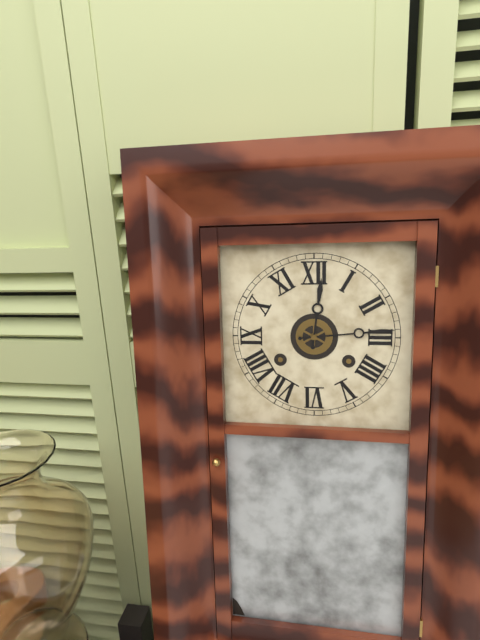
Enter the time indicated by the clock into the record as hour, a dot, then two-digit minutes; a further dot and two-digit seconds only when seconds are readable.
12.14
